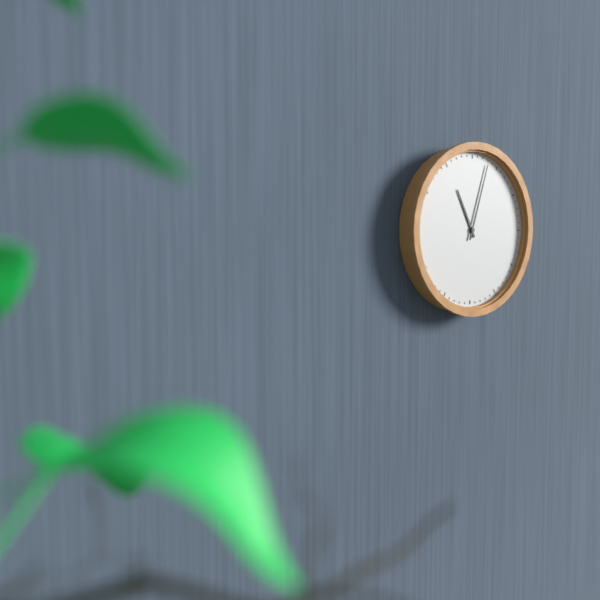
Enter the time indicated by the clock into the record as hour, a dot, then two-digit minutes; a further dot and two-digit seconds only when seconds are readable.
11.03
